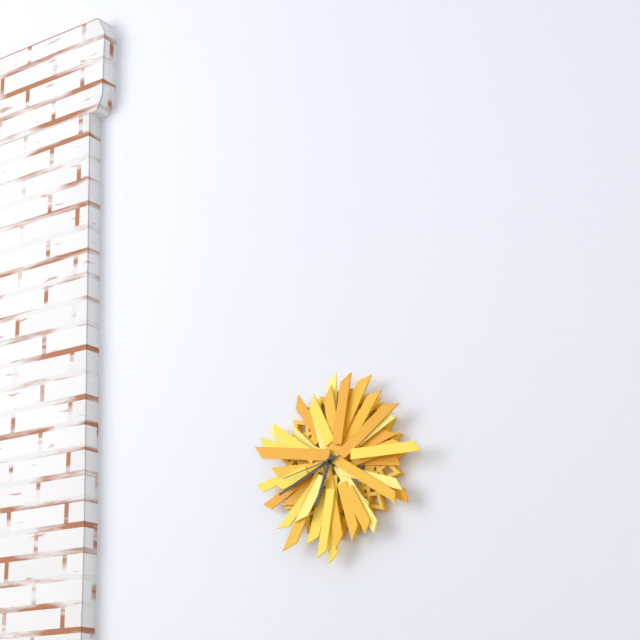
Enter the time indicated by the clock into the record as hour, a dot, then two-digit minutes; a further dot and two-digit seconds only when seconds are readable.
6.41.43
